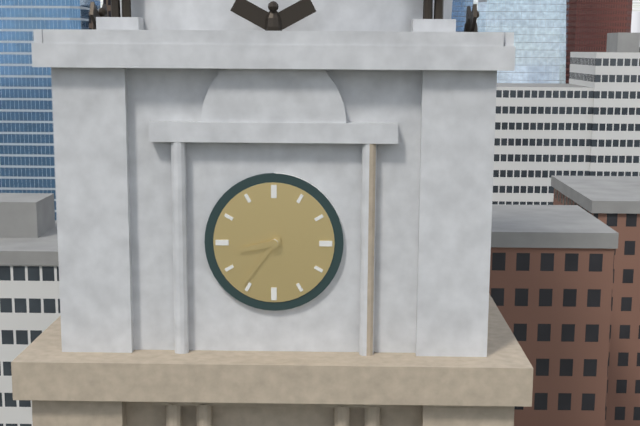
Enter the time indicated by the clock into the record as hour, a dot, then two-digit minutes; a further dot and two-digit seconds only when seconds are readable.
8.36
